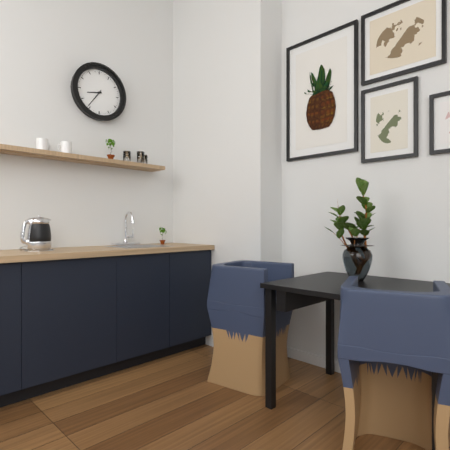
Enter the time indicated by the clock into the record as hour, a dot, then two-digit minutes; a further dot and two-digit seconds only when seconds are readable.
8.36
